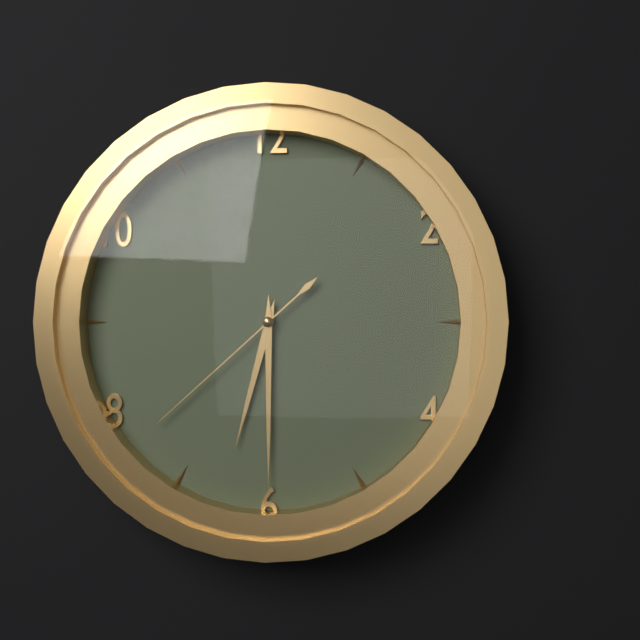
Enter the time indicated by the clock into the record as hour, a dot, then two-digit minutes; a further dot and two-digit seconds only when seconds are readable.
6.30.38
